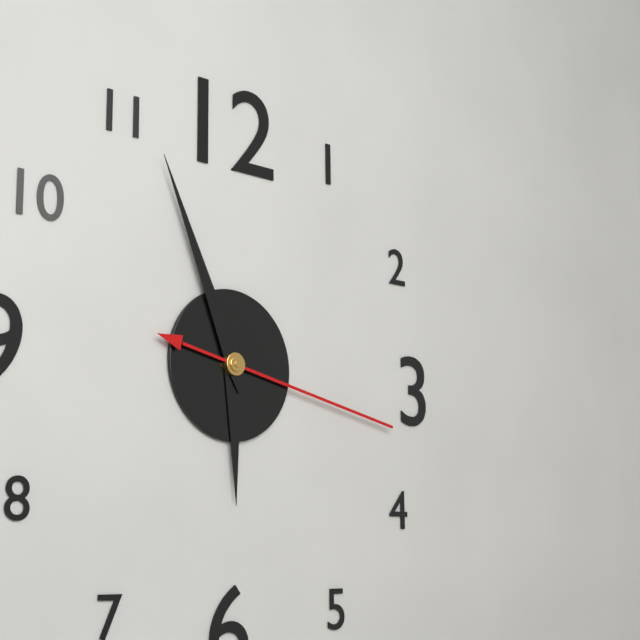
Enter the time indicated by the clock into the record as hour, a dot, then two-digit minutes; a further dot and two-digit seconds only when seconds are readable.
5.56.17
